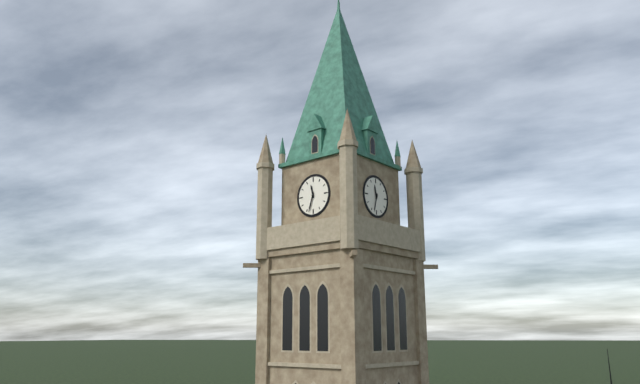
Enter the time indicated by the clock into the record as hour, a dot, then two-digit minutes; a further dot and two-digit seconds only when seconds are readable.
11.33
